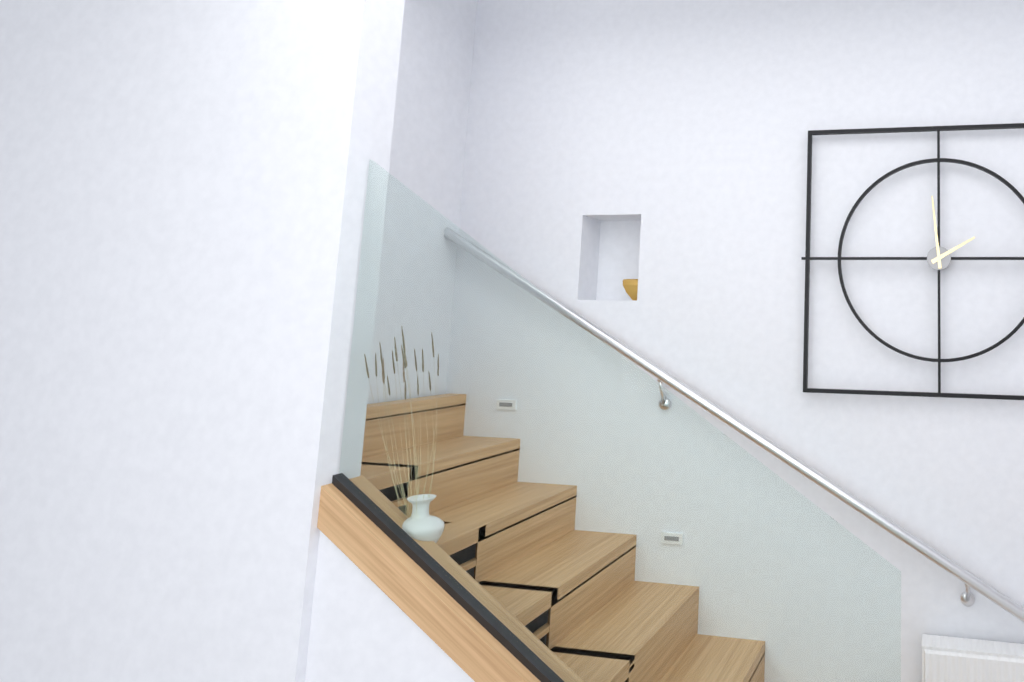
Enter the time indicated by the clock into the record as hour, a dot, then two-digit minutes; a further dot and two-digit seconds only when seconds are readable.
1.59
